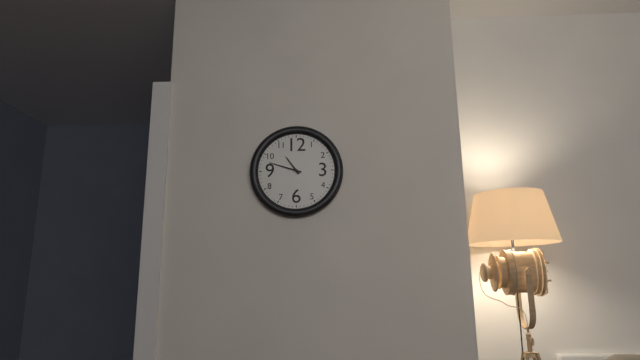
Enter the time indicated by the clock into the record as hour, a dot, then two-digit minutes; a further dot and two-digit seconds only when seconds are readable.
10.48
